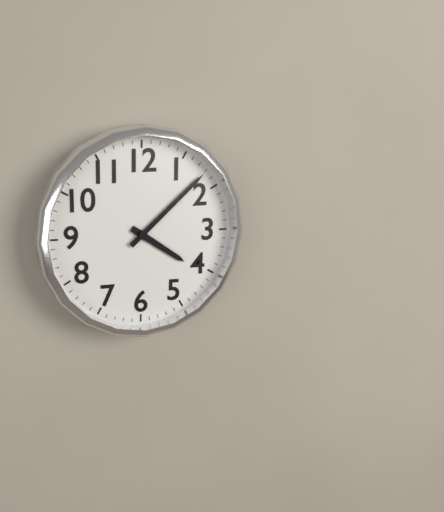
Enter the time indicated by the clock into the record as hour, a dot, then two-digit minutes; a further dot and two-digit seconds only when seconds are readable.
4.08
